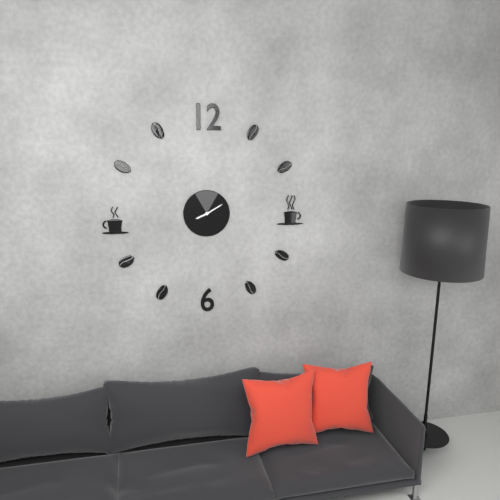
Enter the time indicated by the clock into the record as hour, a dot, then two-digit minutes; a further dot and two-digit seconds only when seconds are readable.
8.10
